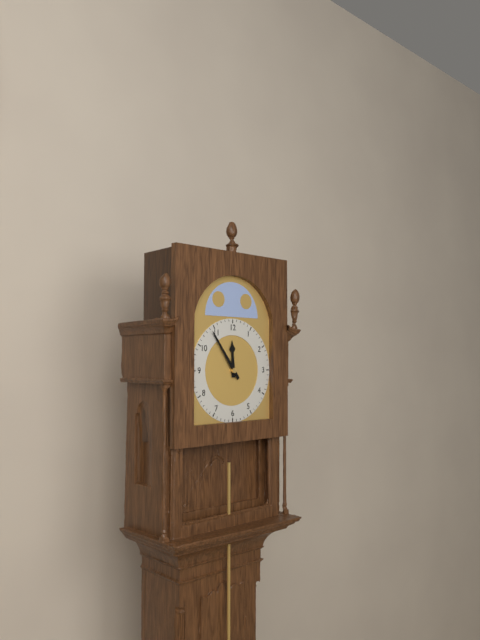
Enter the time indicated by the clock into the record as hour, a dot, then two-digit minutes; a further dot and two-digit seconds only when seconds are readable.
11.54
